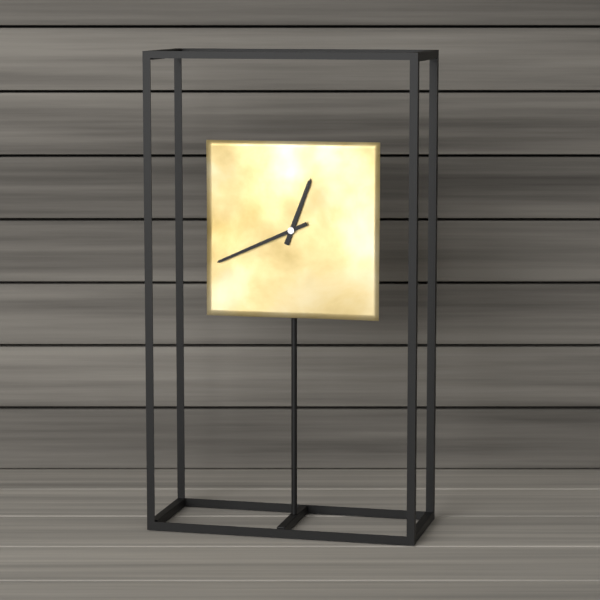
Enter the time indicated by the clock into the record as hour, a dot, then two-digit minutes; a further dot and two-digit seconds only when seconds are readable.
12.41
